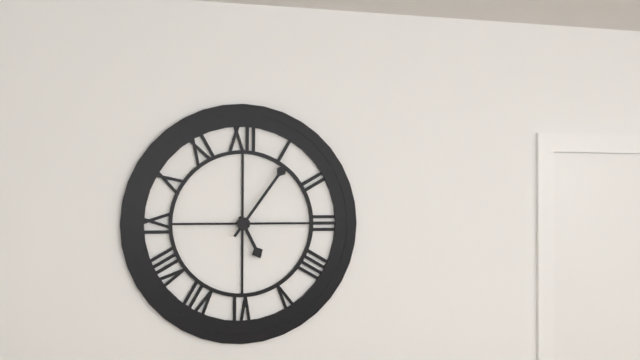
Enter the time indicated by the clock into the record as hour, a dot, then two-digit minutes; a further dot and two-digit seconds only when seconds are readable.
5.06
